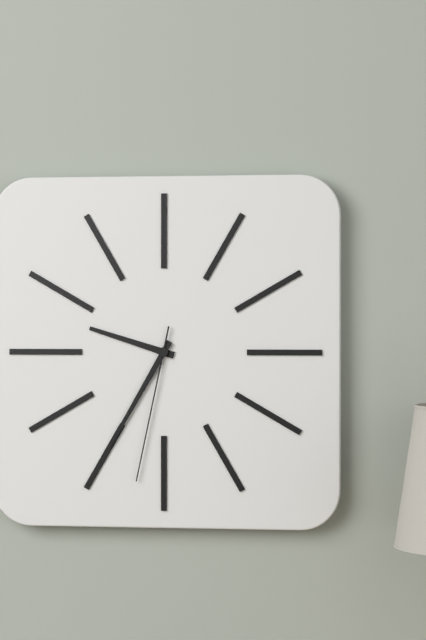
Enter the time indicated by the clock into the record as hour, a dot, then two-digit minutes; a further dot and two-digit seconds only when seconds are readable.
9.35.32
